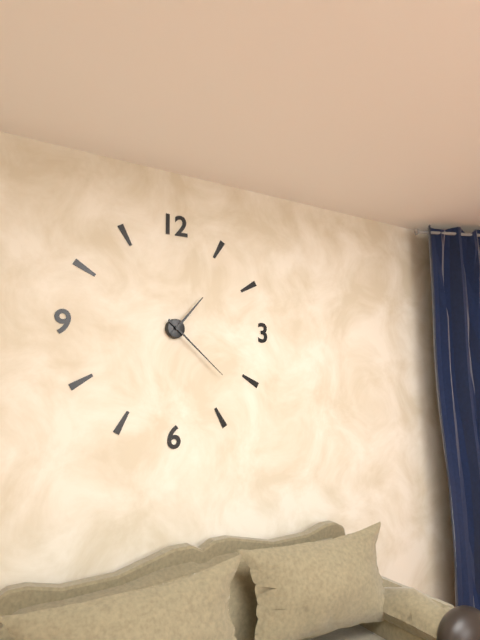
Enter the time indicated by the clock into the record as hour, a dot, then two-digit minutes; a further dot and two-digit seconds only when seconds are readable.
1.22
